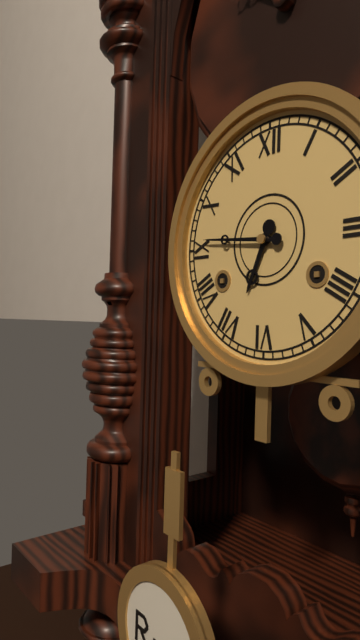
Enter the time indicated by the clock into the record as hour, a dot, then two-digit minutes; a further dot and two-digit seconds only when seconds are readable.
6.46
